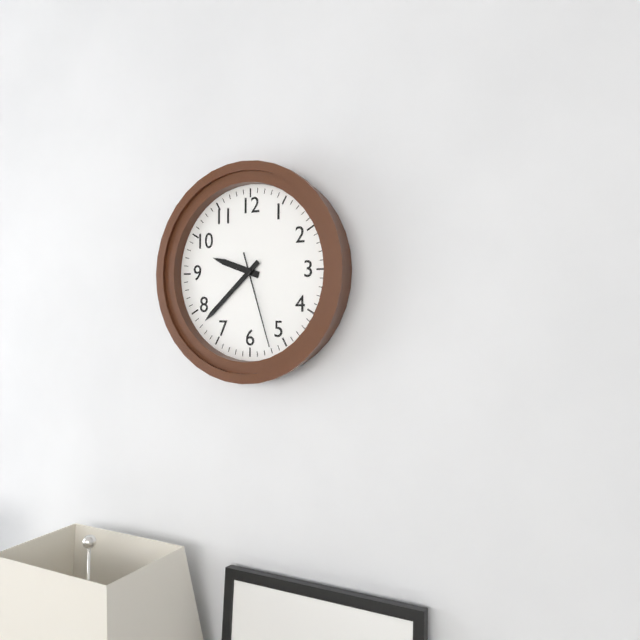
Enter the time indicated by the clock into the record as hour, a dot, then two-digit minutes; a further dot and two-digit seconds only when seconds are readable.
9.38.27
